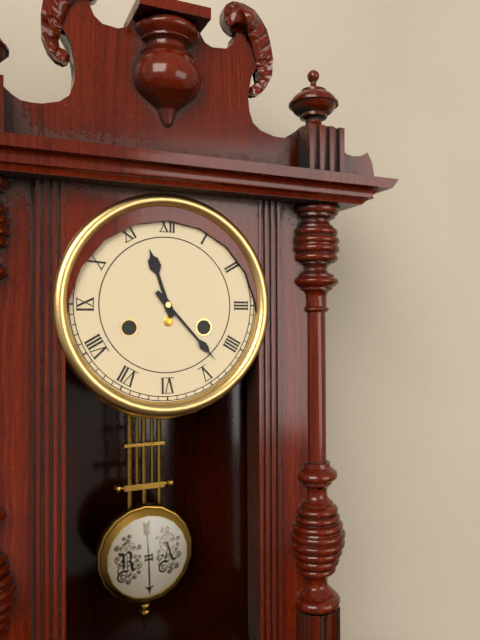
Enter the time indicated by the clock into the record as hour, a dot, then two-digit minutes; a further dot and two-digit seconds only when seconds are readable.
11.23
